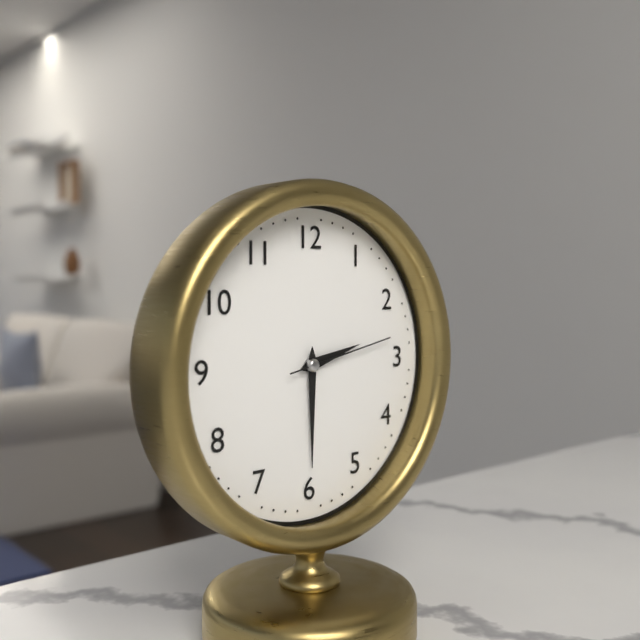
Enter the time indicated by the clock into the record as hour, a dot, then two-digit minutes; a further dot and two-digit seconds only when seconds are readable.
2.30.13
